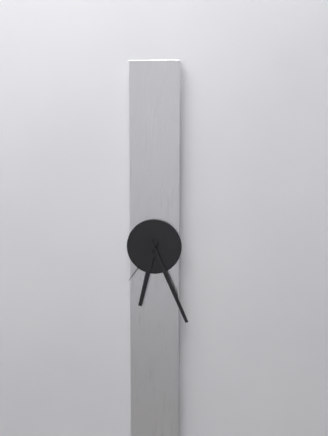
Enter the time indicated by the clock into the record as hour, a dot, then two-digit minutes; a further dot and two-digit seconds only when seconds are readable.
6.26.36
